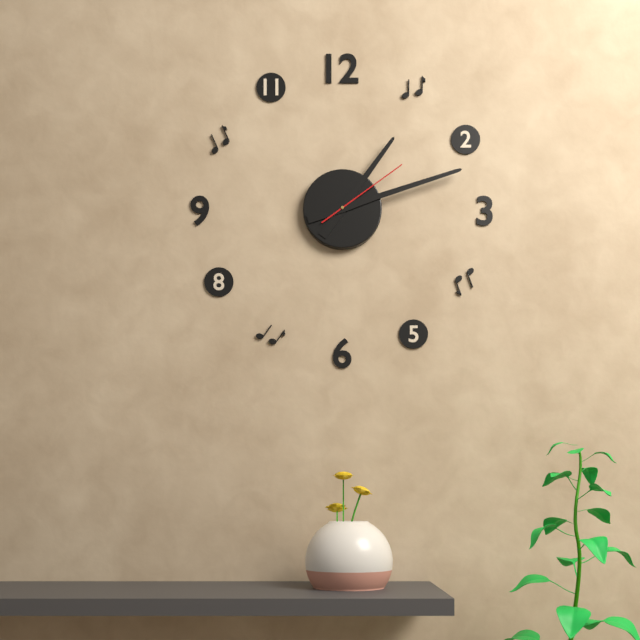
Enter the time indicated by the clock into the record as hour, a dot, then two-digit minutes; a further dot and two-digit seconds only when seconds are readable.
1.12.09
